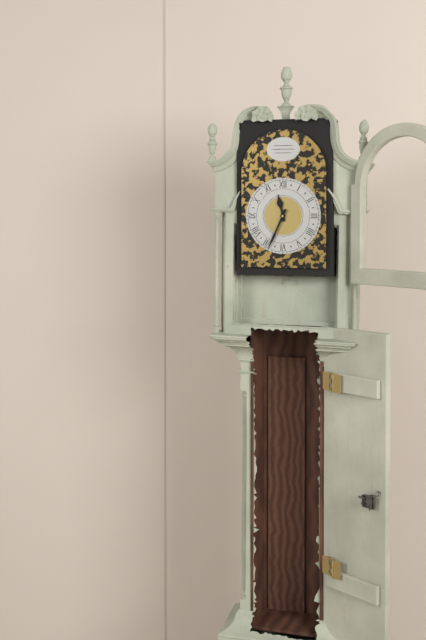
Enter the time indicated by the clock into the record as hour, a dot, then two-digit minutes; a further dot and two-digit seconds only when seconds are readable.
11.34
